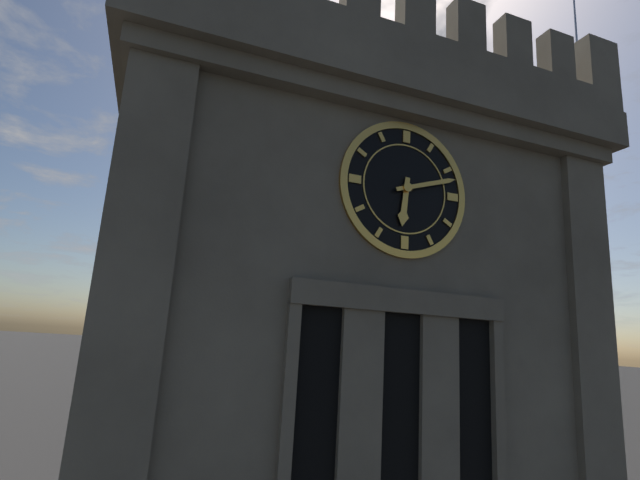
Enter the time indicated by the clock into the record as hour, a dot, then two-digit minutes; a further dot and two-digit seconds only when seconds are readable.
6.12
